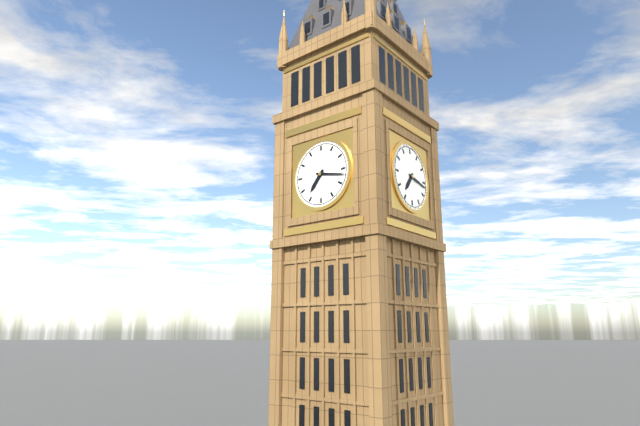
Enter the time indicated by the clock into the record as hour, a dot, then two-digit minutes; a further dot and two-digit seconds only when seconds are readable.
7.17
